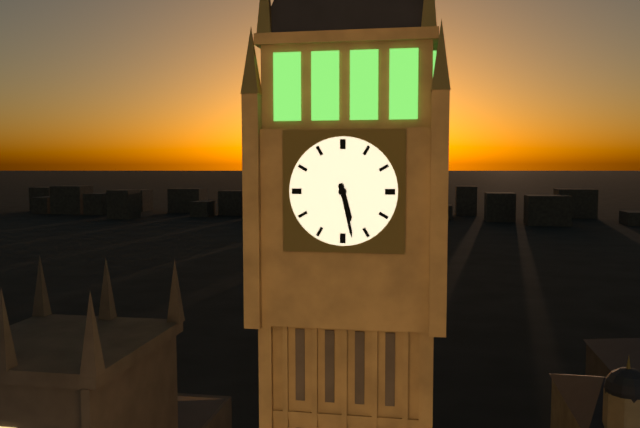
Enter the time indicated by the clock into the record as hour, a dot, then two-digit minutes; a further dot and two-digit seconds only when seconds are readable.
5.28
